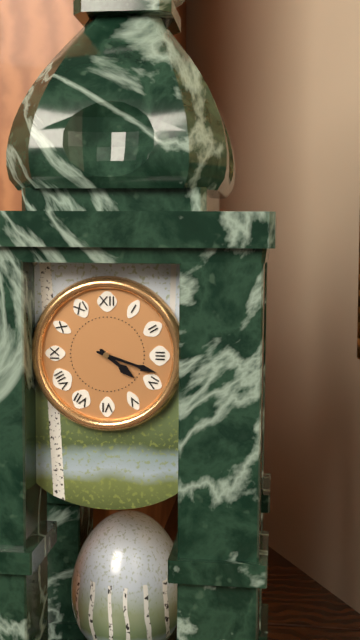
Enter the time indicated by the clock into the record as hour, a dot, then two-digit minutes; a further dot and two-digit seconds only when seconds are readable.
4.18
